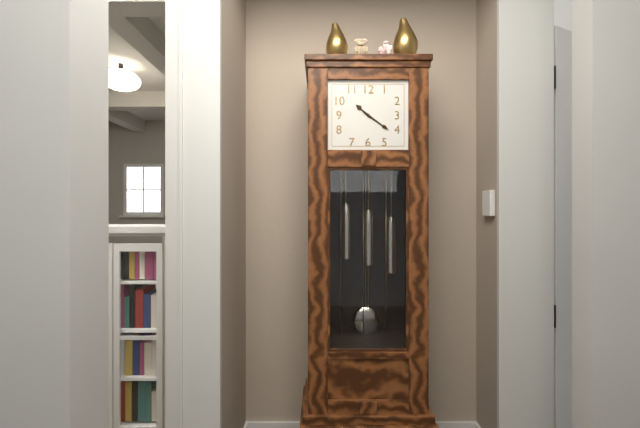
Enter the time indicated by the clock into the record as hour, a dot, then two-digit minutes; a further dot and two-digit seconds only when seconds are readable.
10.21
